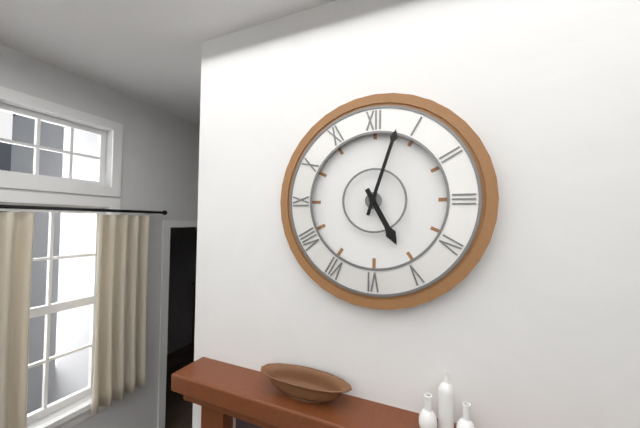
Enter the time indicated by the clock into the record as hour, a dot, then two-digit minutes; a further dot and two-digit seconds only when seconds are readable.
5.03
